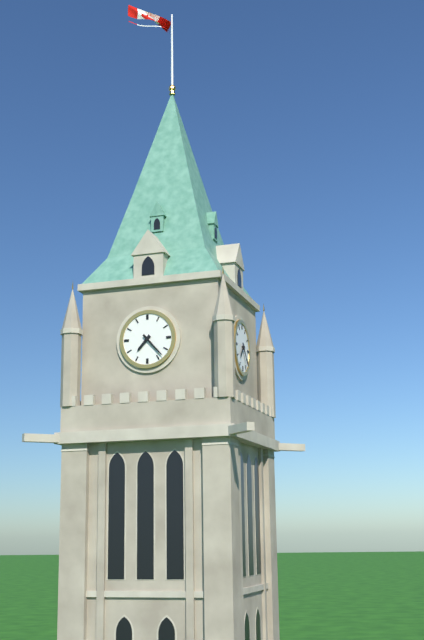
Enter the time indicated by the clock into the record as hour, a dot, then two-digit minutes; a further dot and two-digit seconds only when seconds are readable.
7.23
